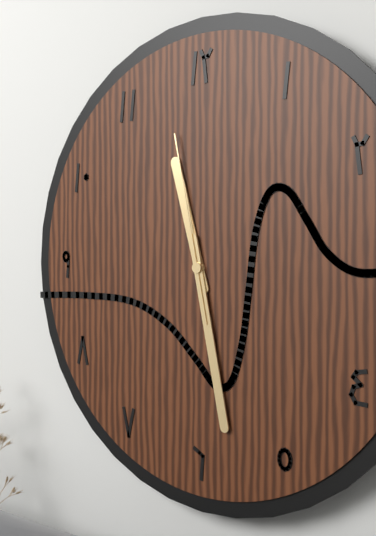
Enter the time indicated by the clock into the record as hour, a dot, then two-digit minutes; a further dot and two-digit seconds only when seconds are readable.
11.28.58
